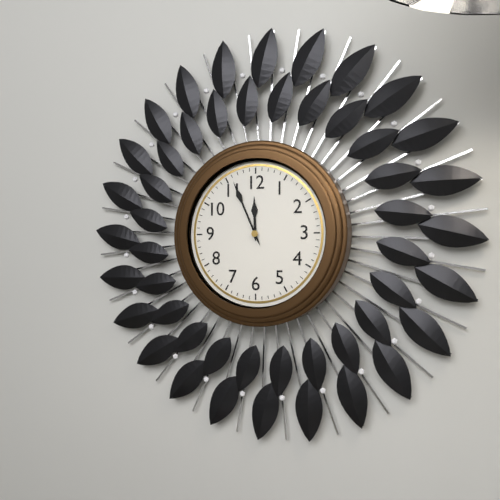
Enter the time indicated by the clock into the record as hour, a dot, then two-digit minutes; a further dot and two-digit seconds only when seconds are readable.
11.56
